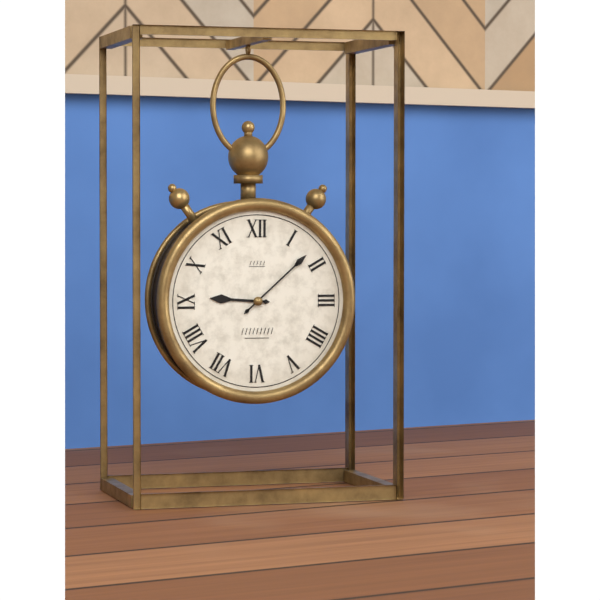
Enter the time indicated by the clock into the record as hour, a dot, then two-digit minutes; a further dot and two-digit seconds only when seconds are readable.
9.08
